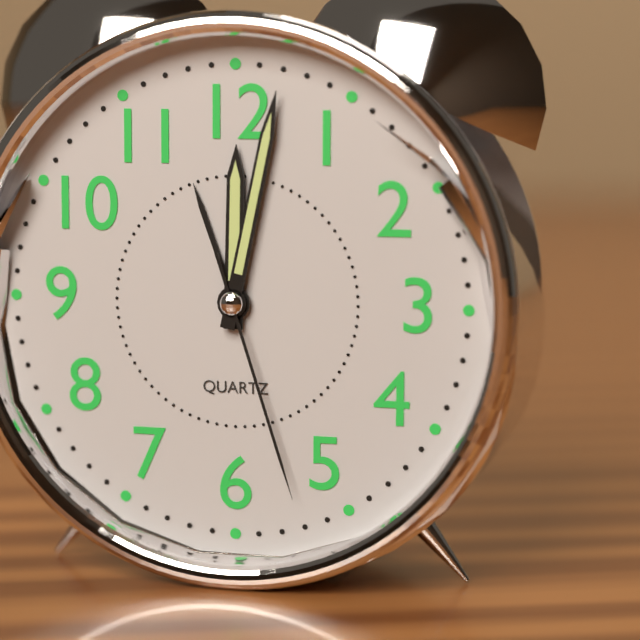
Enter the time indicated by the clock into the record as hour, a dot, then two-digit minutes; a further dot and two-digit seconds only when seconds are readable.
12.02.27
